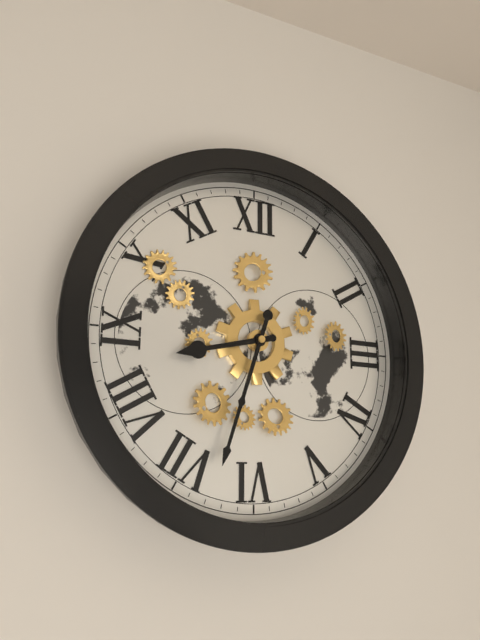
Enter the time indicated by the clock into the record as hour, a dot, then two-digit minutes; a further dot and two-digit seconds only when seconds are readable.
8.33
